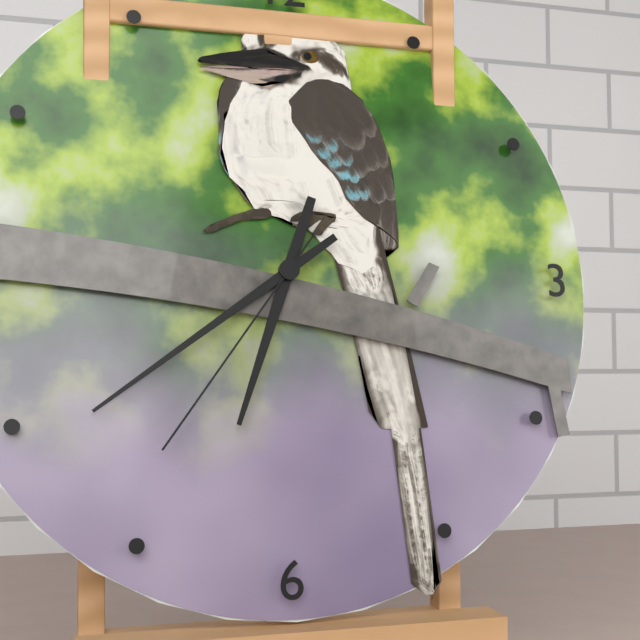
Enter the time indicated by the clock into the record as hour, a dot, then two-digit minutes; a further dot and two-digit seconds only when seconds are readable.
6.39.36
